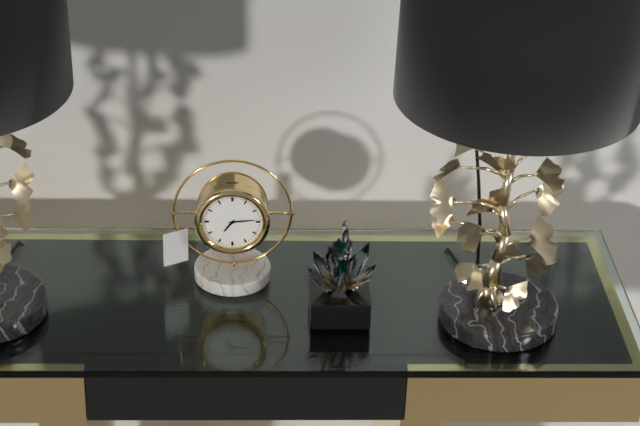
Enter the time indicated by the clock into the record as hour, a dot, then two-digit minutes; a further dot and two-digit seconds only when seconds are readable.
7.14
